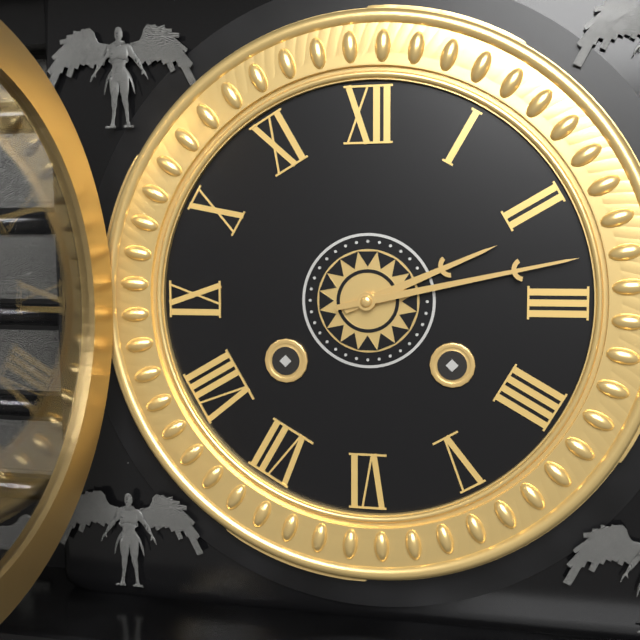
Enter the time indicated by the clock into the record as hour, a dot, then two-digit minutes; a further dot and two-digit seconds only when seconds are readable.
2.13
